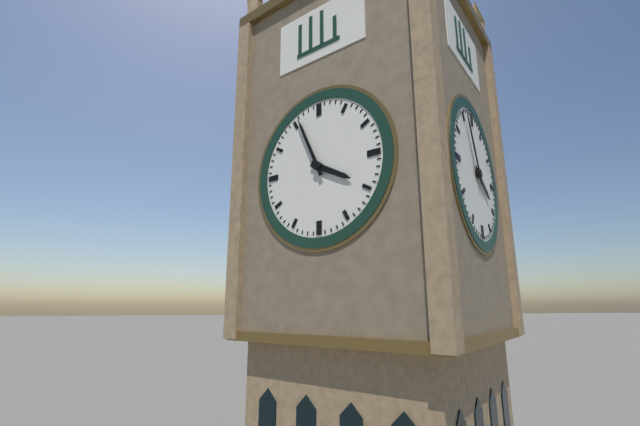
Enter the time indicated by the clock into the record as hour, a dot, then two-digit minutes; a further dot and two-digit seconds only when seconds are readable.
3.56
